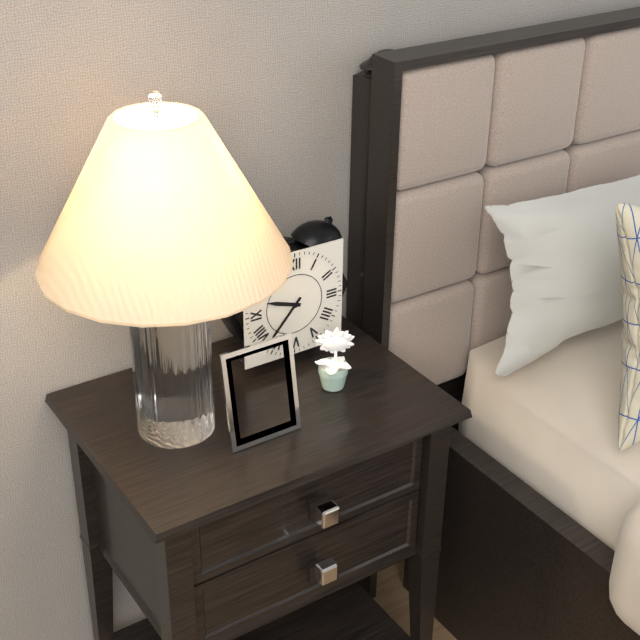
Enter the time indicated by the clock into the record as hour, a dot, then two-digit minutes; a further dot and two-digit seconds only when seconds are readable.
9.37
